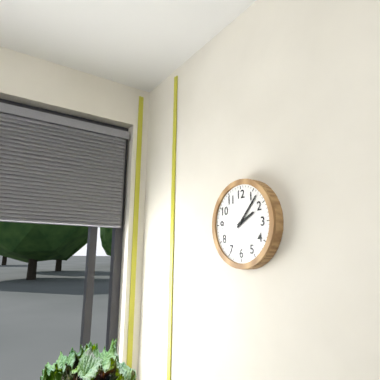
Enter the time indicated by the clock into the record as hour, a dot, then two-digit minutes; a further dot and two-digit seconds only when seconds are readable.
2.07
